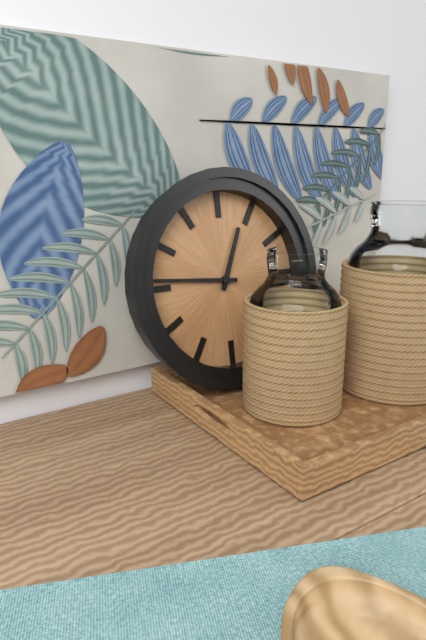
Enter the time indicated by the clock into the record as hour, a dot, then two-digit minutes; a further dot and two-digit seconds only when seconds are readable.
12.46
